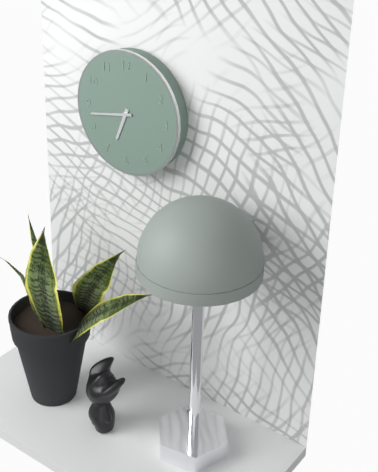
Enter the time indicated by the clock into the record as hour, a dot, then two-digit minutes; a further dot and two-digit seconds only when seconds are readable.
6.43
